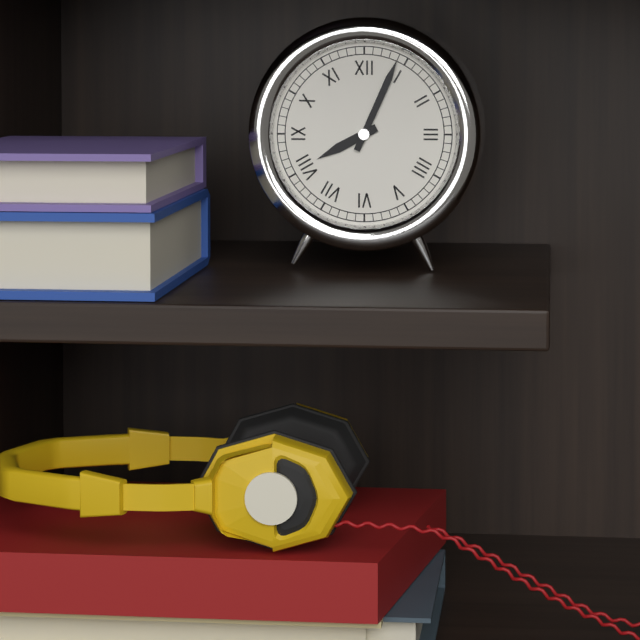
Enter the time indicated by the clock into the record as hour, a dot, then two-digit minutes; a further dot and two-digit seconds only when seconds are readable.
8.04
